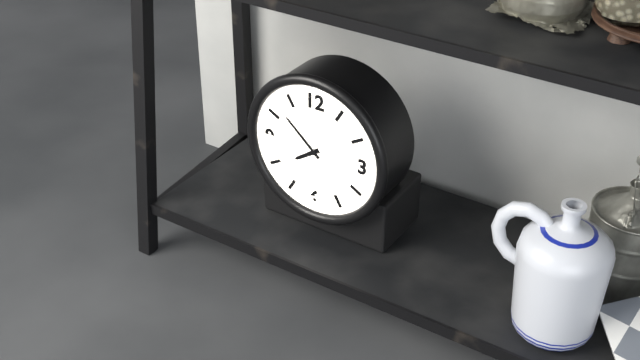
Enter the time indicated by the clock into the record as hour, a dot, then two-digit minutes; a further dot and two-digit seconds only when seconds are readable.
7.52
